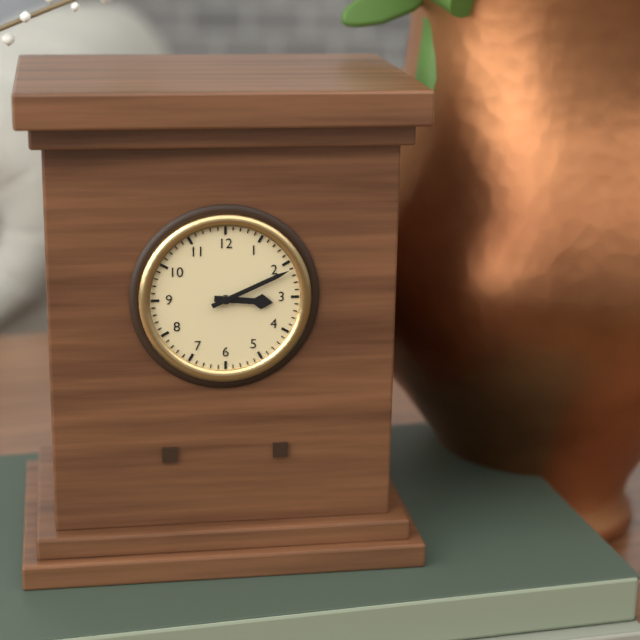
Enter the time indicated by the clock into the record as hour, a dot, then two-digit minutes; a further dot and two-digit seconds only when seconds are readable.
3.11
